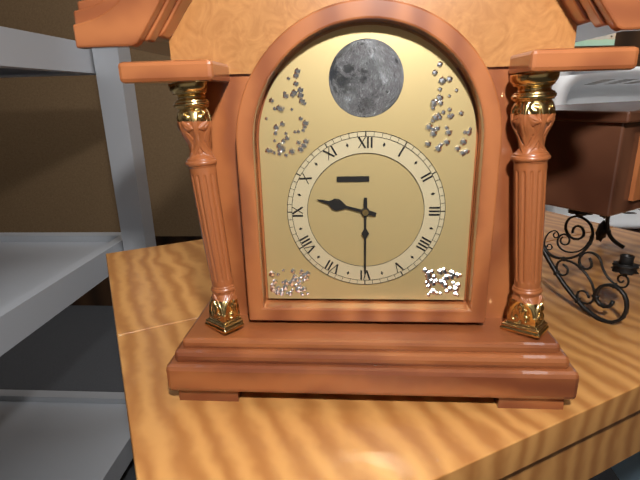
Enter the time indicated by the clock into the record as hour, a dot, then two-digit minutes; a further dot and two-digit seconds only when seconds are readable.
9.30
